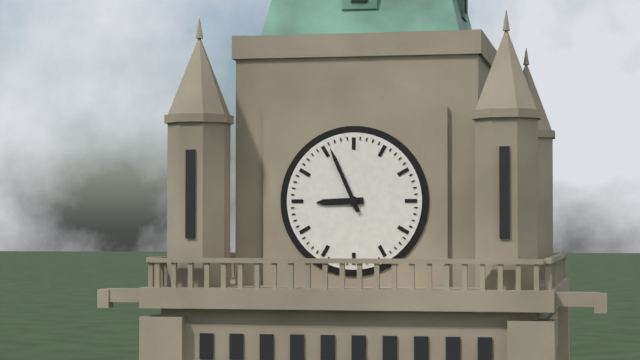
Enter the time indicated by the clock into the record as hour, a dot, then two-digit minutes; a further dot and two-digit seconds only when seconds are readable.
8.56
